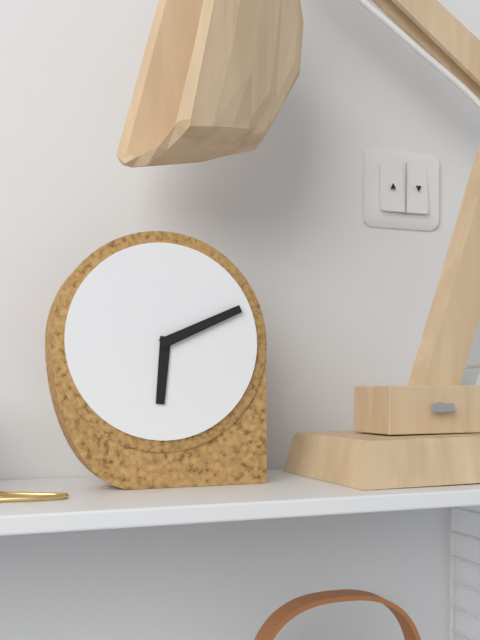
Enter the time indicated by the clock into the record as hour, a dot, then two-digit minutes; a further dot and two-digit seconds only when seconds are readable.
6.11
